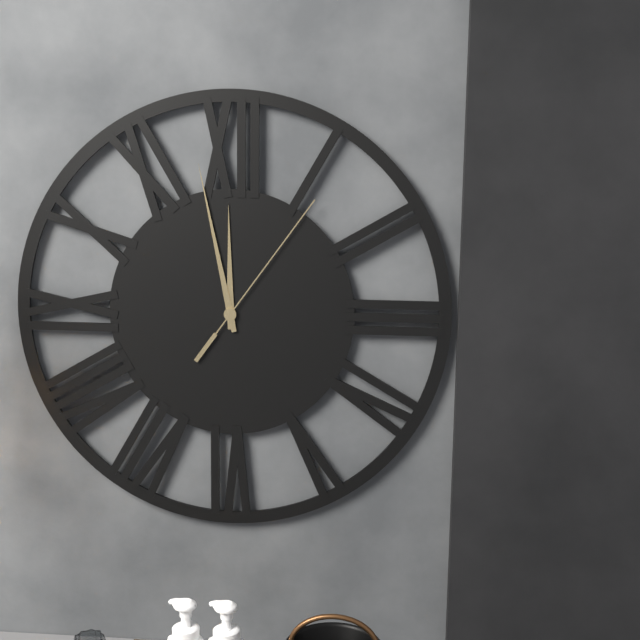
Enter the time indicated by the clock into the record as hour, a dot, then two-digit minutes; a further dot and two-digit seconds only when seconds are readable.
11.58.06
